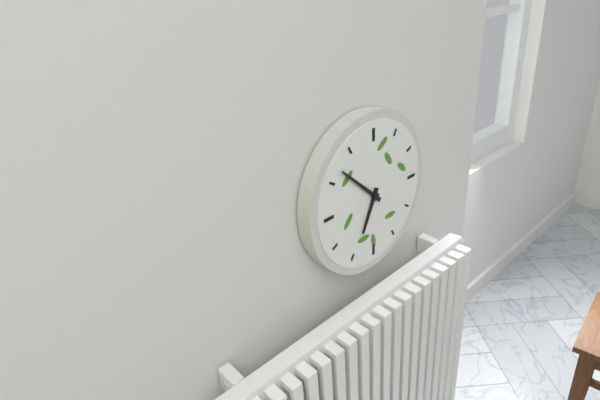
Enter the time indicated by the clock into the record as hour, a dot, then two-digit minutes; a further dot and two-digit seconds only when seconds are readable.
6.52
